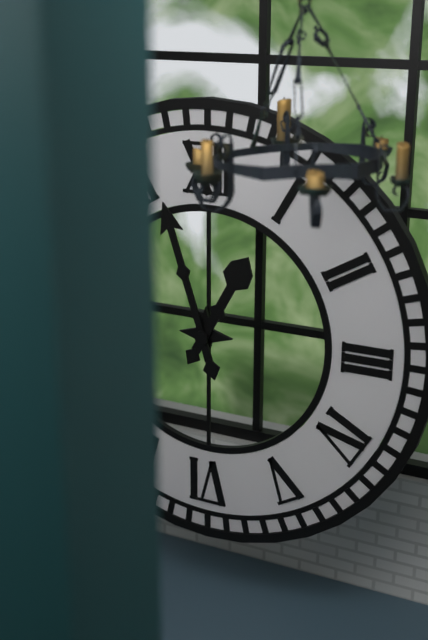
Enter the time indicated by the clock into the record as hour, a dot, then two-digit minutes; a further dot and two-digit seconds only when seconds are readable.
12.57
